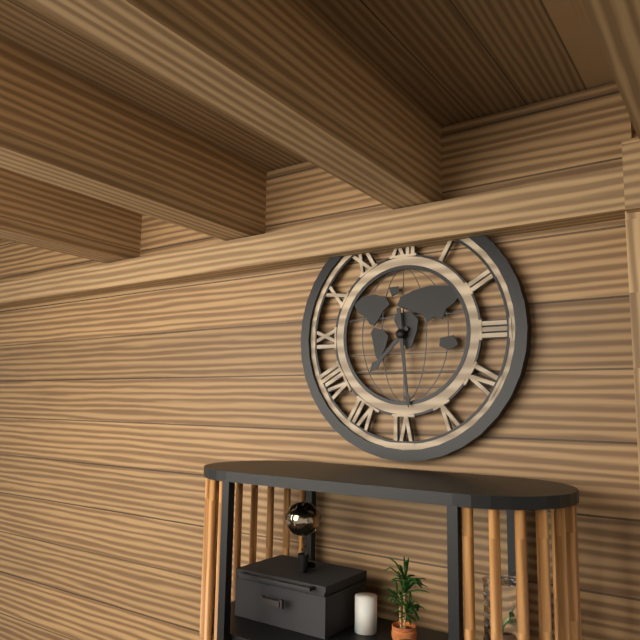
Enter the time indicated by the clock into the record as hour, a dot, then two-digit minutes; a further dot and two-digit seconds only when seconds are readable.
7.29
